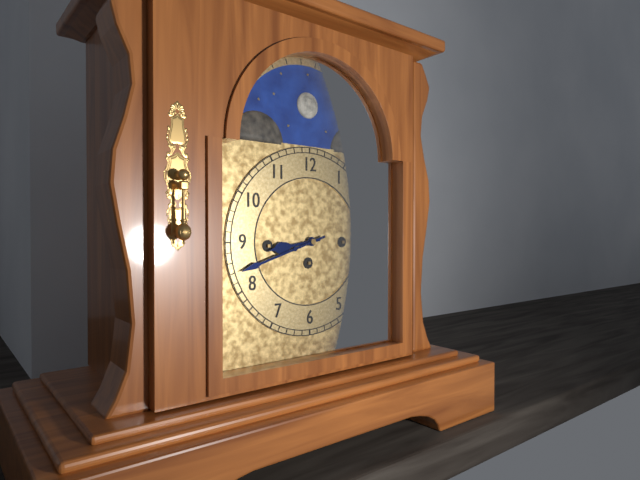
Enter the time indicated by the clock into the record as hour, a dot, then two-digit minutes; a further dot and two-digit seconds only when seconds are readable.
8.42
